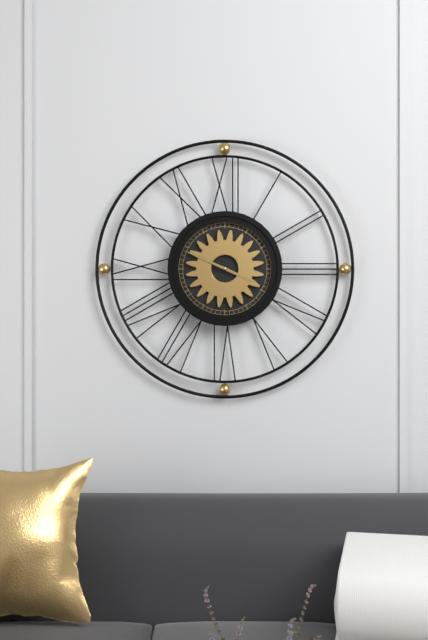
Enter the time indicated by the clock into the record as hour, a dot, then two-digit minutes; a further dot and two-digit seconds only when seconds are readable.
3.49
